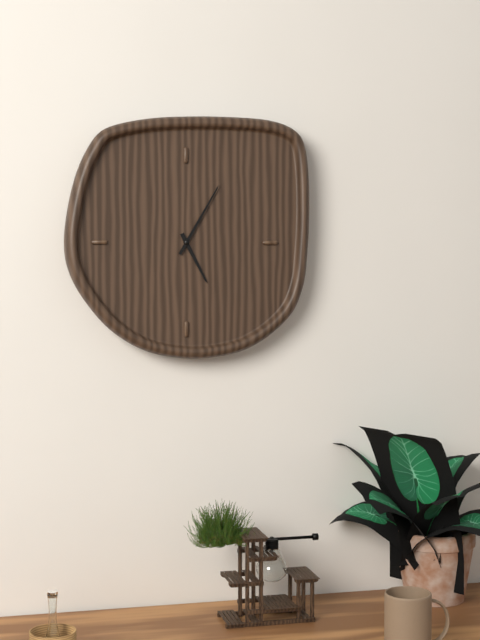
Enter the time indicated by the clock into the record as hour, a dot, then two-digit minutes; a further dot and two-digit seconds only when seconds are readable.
5.05
